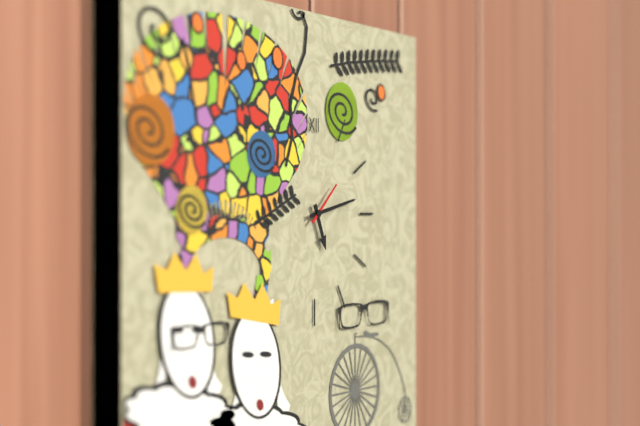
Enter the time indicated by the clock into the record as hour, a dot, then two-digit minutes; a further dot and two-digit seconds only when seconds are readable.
5.13
